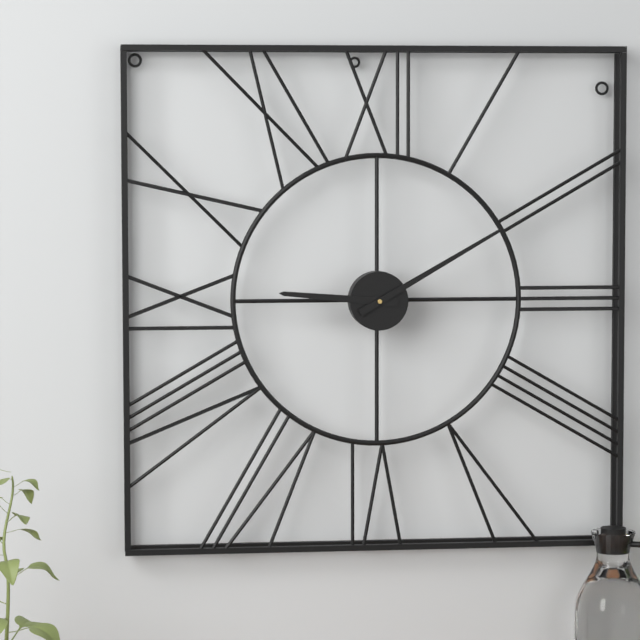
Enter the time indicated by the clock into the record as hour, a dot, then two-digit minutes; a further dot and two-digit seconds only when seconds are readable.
9.10
